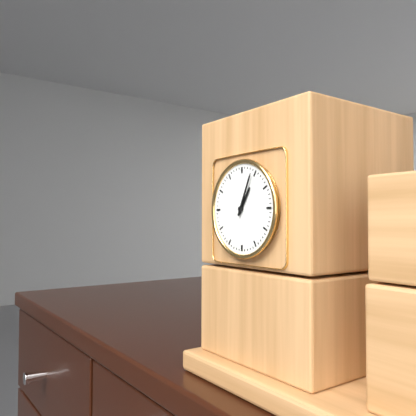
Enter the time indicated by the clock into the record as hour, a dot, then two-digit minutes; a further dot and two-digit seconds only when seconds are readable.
1.04
